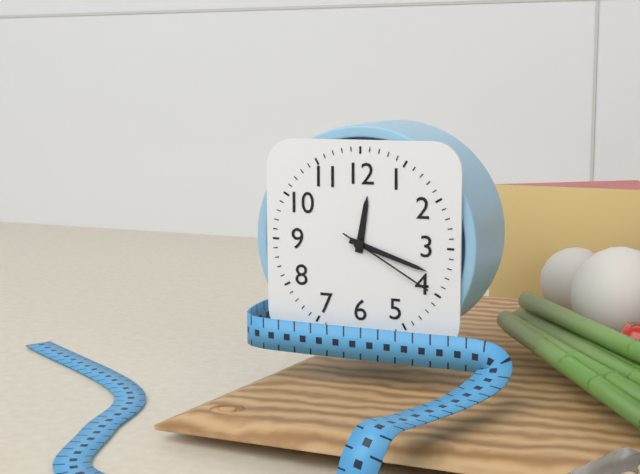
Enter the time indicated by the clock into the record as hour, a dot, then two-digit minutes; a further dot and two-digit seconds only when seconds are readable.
12.18.20
